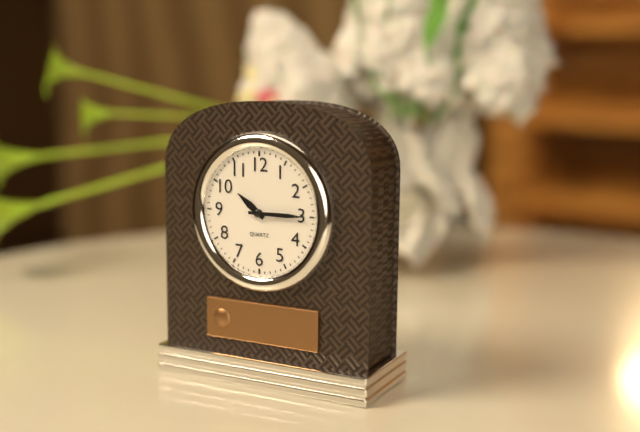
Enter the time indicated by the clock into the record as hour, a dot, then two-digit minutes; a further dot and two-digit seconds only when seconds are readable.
10.15
